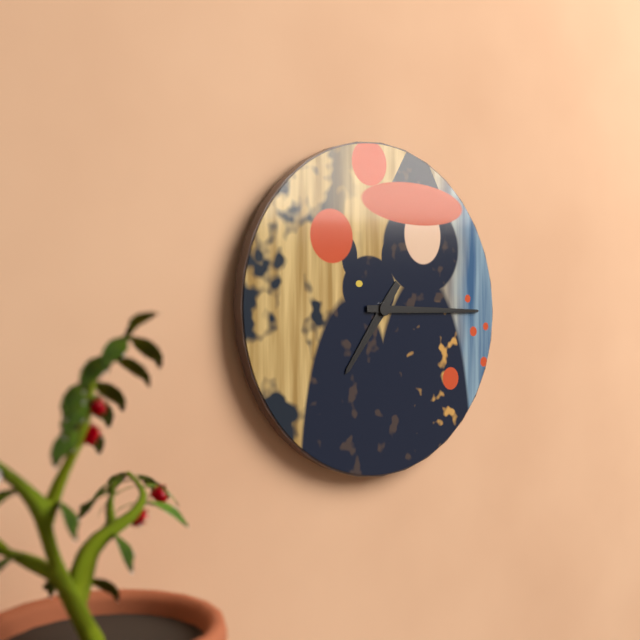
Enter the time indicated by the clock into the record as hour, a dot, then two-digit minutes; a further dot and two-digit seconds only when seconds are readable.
7.15
